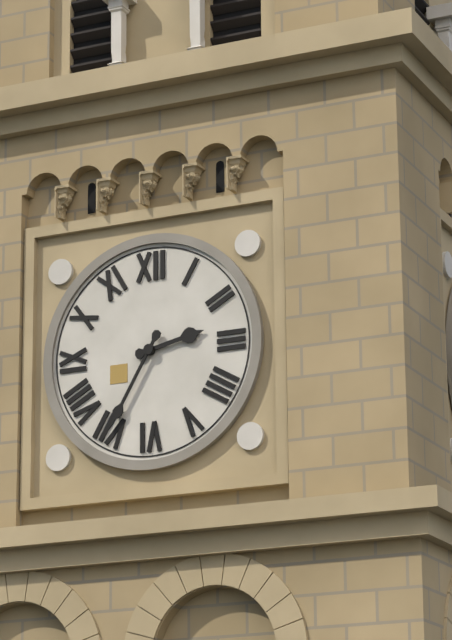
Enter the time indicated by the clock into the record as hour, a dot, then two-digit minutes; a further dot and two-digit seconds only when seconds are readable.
2.35
